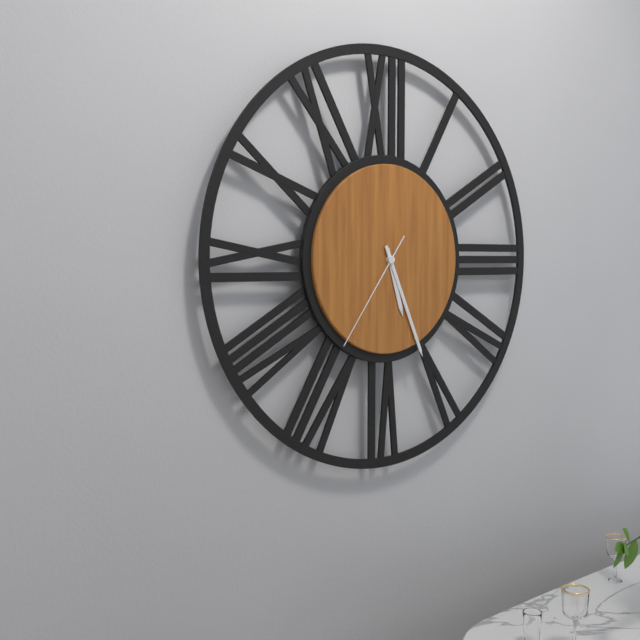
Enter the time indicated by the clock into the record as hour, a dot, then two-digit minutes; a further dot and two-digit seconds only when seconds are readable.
5.26.36
